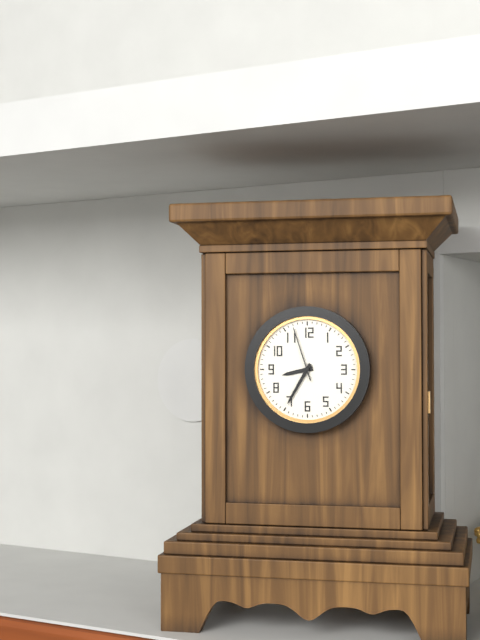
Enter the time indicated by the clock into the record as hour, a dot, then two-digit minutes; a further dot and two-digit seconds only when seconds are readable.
8.35.57
